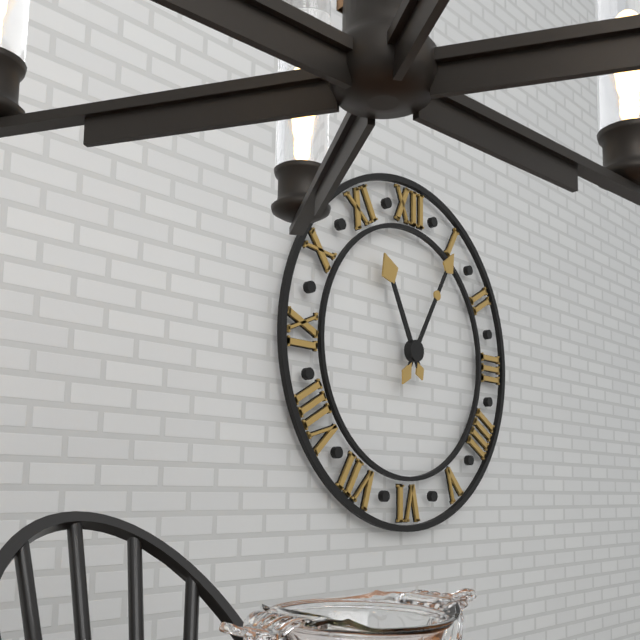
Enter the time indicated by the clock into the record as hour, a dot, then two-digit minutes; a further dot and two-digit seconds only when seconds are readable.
11.05
